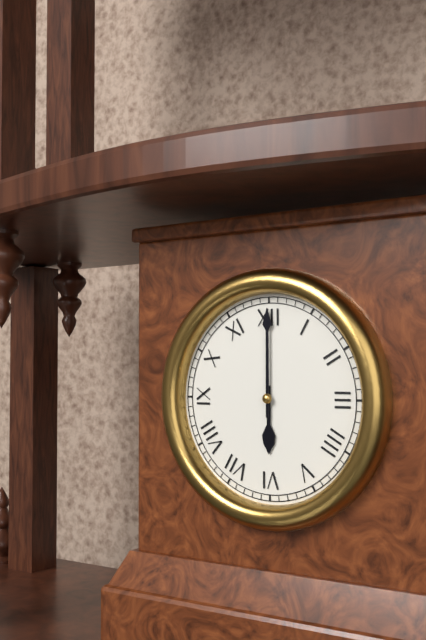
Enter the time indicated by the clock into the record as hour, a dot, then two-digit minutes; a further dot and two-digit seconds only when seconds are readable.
6.00
